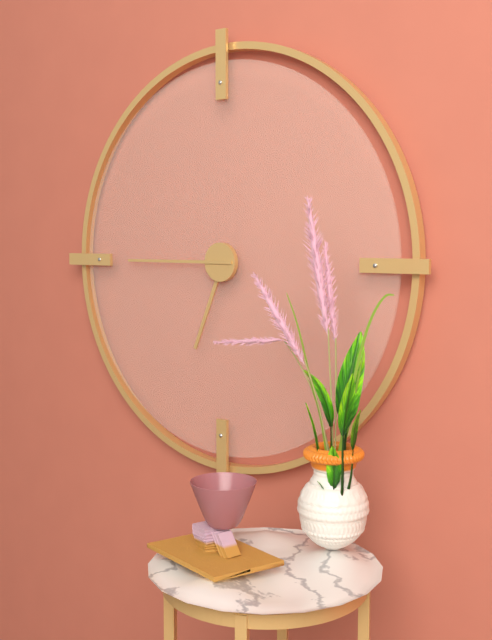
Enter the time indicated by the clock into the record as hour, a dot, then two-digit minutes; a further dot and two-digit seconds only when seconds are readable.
6.45
